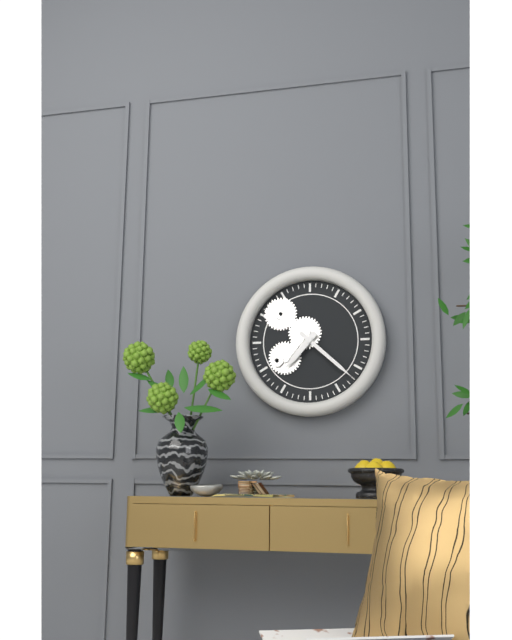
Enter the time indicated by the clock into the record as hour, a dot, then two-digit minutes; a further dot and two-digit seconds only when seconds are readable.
7.22
